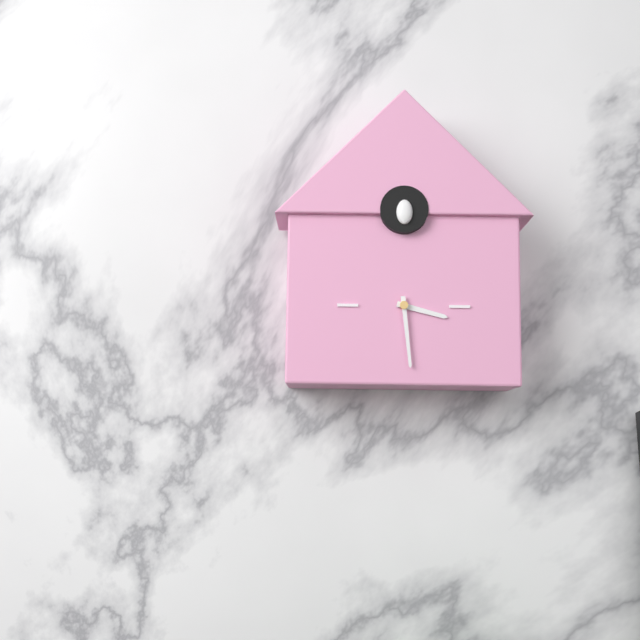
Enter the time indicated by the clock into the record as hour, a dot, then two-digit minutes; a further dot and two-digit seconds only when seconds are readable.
3.29
